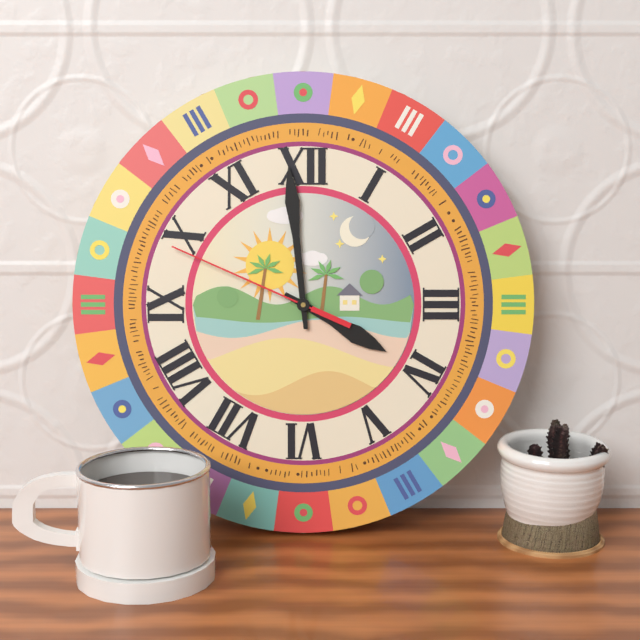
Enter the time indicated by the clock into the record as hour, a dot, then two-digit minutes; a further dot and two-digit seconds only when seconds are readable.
3.59.49
